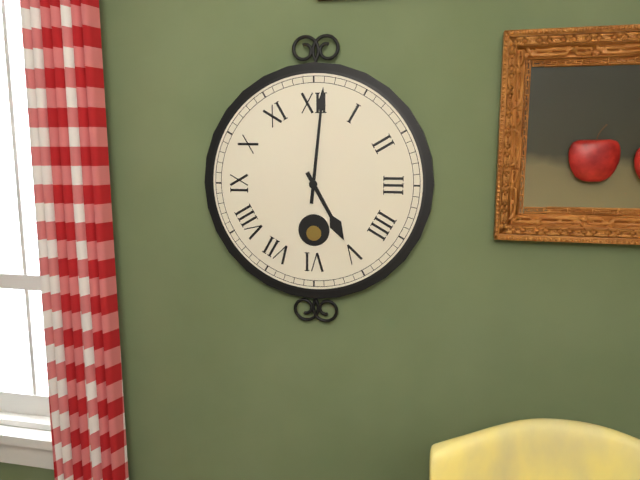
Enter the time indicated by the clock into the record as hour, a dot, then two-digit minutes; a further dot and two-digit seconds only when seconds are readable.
5.01
